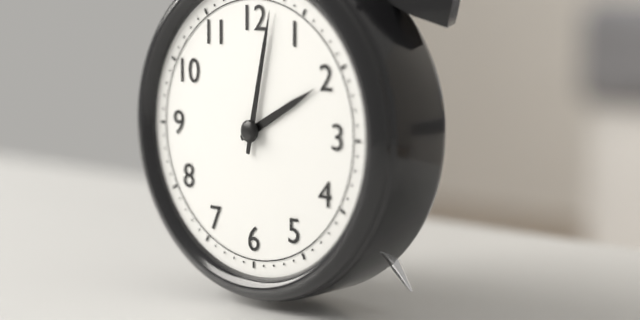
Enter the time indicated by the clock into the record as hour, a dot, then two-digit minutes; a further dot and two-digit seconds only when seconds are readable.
2.02
